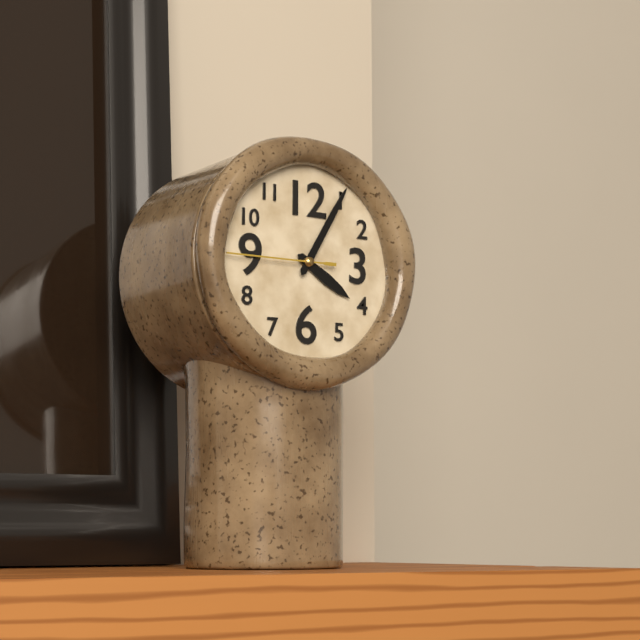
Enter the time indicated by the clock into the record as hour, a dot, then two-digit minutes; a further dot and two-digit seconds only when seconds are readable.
4.05.45
